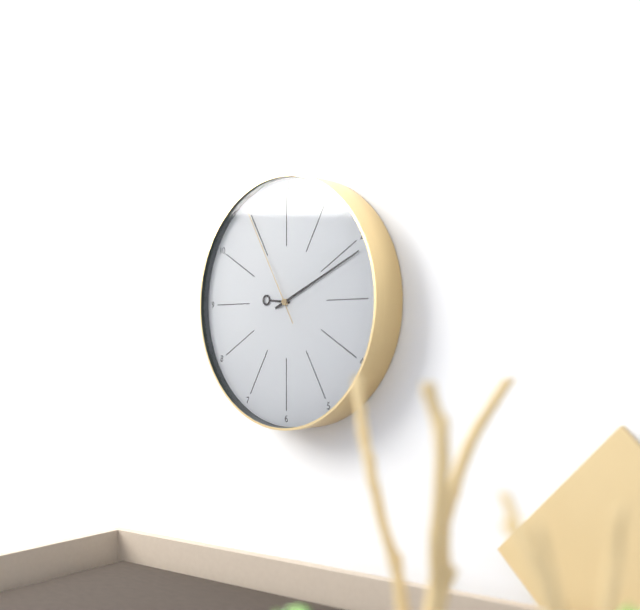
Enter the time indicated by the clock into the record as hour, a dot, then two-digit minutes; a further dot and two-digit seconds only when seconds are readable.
9.11.55
